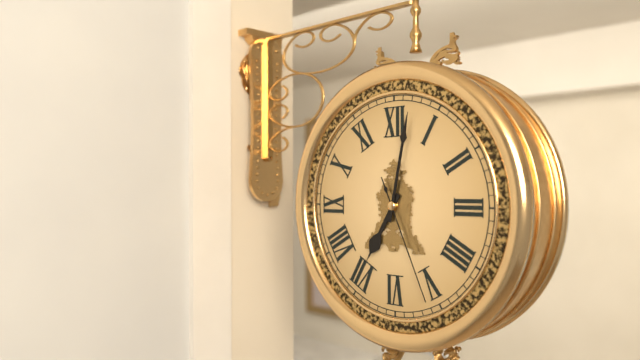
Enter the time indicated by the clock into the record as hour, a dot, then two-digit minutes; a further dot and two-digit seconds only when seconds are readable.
7.02.26
